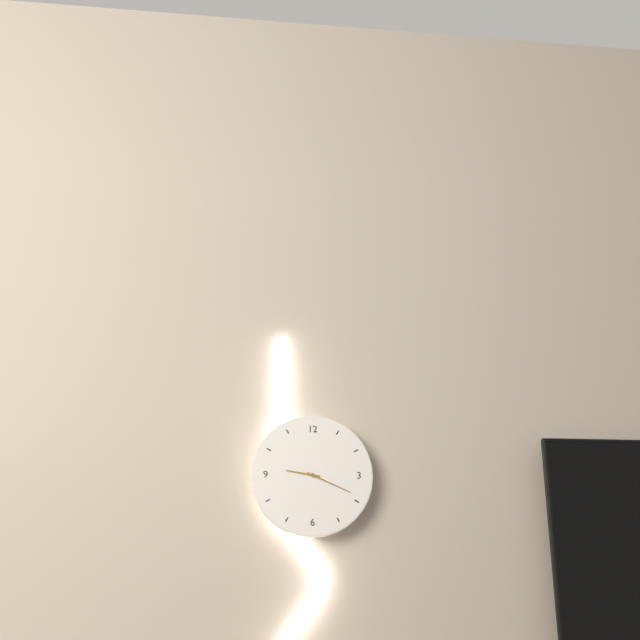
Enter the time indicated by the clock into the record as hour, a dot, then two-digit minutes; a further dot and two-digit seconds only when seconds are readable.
9.19
